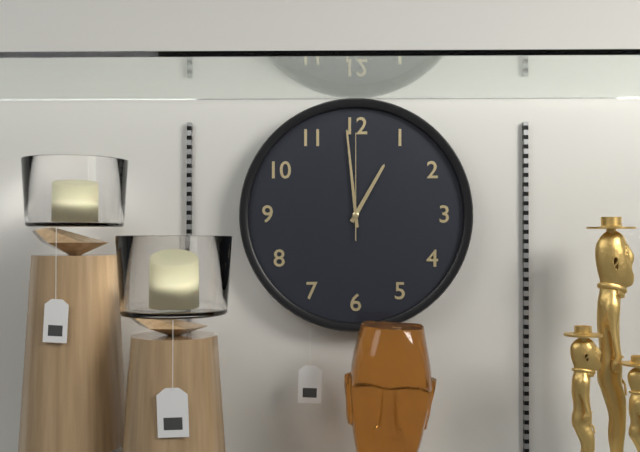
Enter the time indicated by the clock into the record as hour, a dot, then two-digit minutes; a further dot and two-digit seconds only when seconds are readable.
12.59.00
